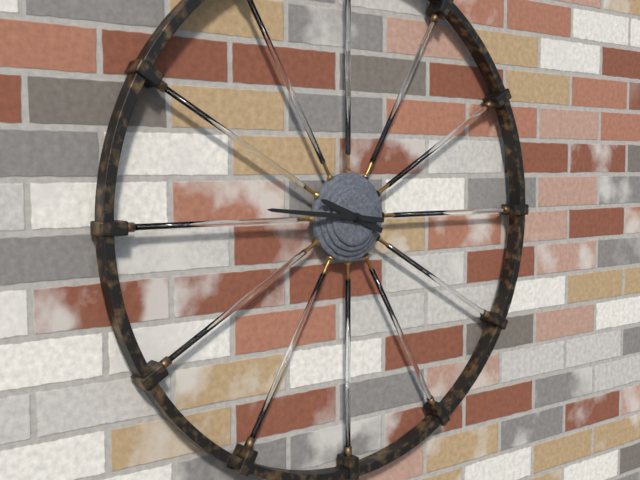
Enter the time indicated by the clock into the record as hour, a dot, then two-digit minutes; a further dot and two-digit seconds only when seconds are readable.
9.46
